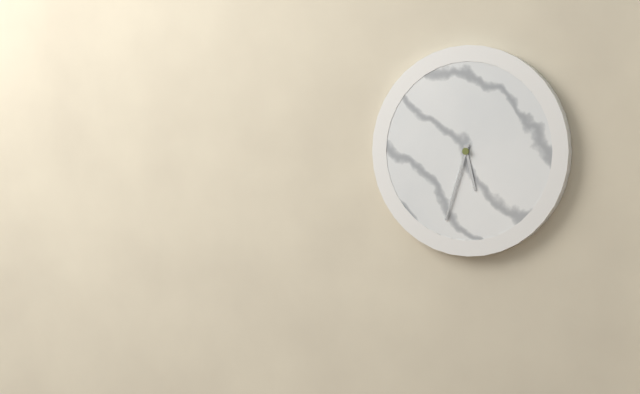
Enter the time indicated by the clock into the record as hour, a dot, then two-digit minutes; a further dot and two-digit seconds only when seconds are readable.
5.33
